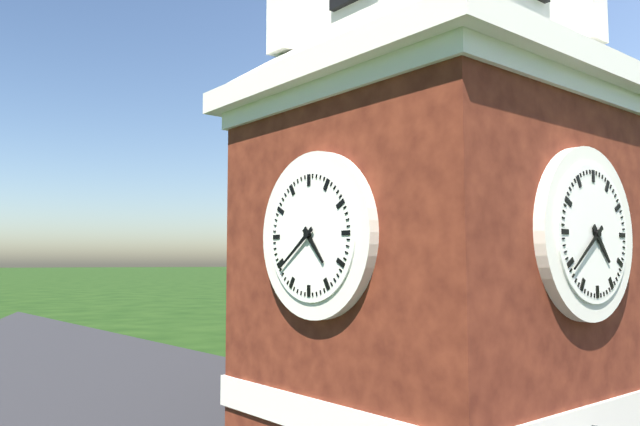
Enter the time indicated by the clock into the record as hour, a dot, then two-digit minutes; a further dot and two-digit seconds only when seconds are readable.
4.39
